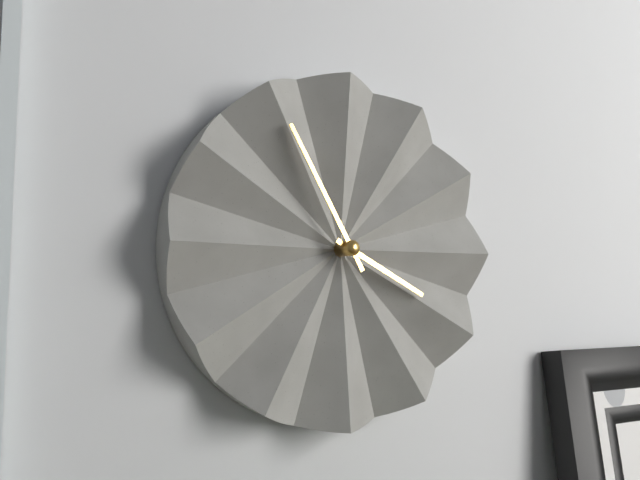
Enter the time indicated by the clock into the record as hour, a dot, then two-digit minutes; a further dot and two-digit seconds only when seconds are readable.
3.55
